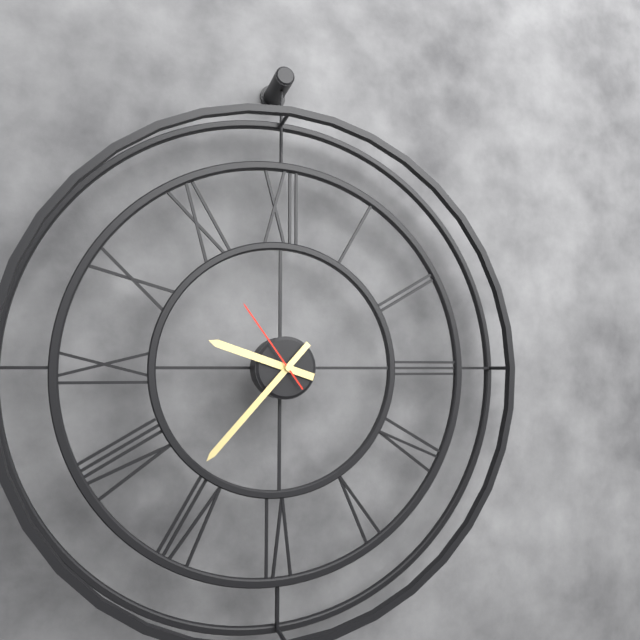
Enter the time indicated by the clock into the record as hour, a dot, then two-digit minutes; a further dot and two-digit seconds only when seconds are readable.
9.37.54
